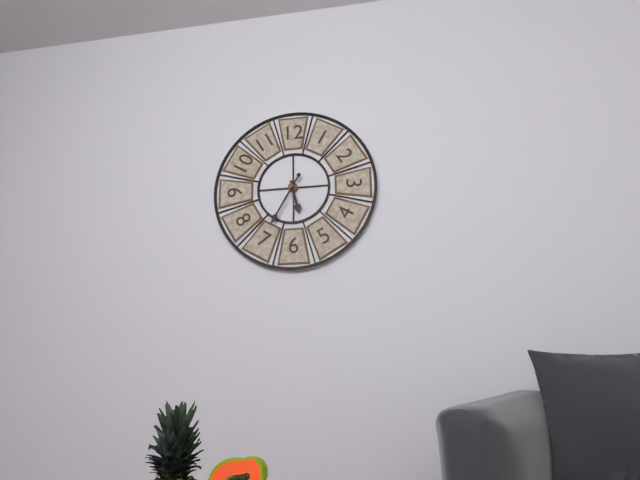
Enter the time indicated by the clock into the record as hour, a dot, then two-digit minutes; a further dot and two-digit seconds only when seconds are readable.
5.35
